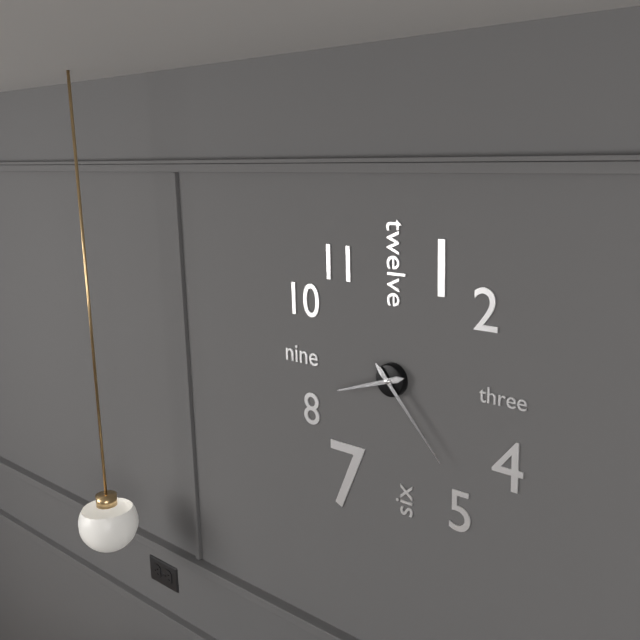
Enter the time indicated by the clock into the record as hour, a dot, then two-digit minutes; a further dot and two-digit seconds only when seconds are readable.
8.23
